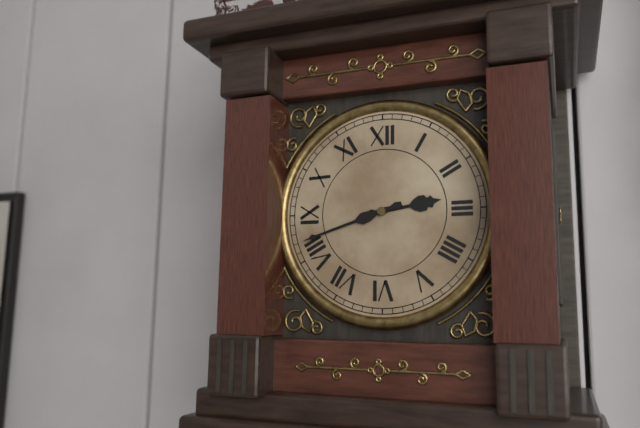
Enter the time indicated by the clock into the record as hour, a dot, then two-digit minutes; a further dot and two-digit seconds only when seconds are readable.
2.42
